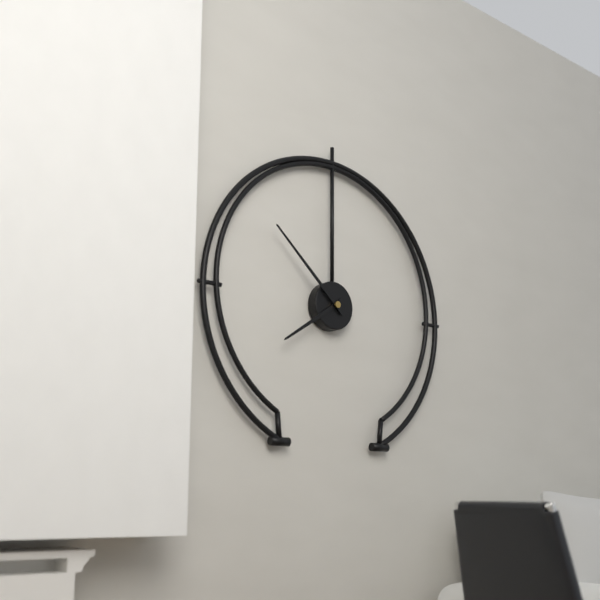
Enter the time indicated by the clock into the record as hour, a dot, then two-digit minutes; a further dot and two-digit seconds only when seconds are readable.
7.52
